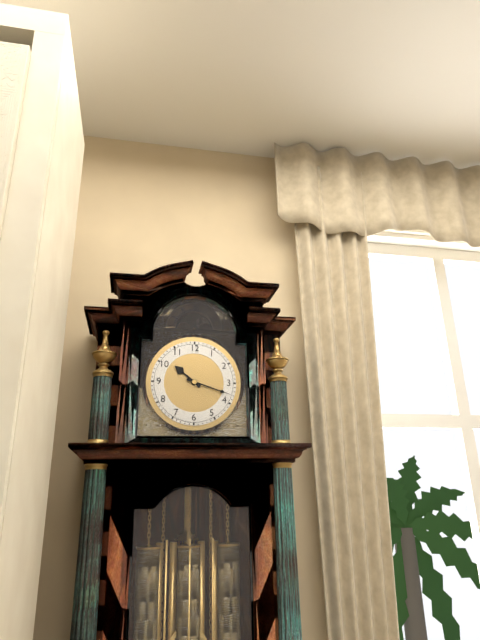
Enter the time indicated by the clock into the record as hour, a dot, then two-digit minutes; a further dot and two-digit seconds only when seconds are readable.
10.18
